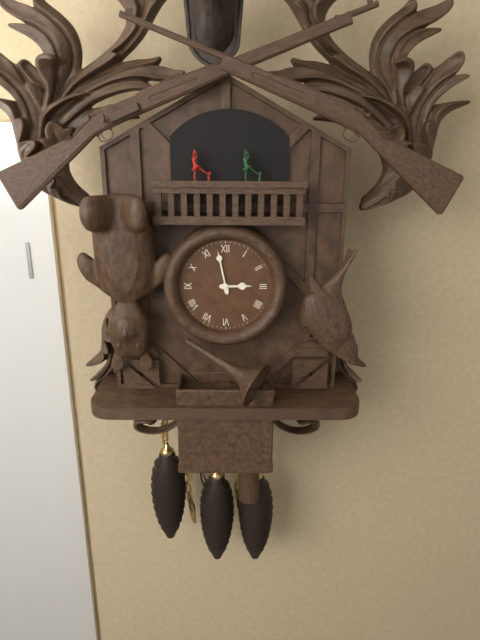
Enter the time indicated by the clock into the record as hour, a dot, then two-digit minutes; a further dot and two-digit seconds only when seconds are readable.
2.58
